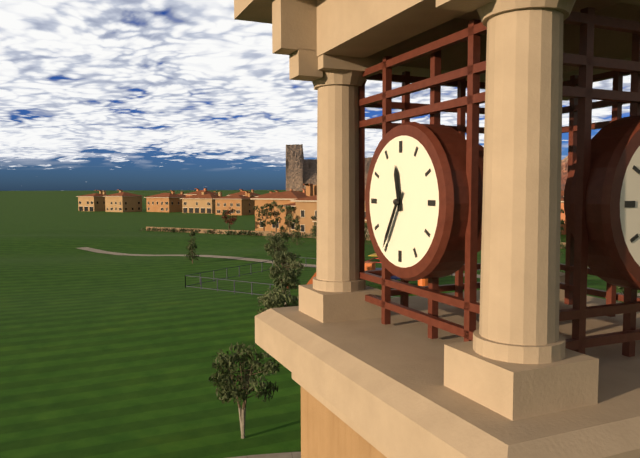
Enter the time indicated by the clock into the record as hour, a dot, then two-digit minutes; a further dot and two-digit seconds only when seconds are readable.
11.35
